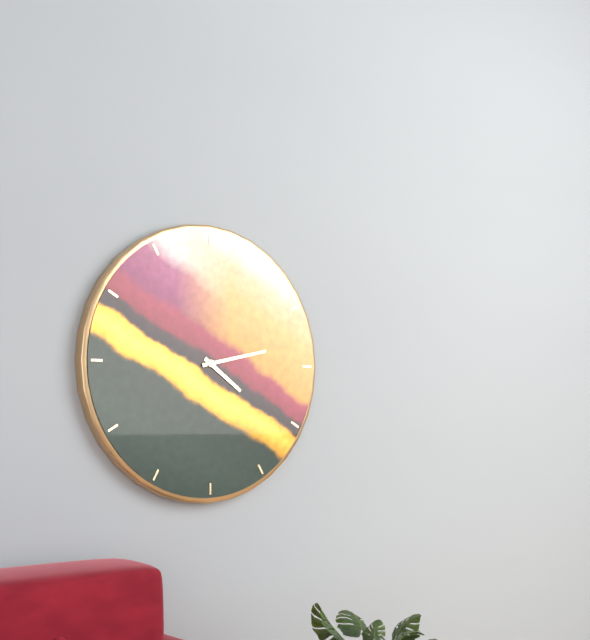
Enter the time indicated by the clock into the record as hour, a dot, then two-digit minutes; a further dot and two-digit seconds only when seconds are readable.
4.13
